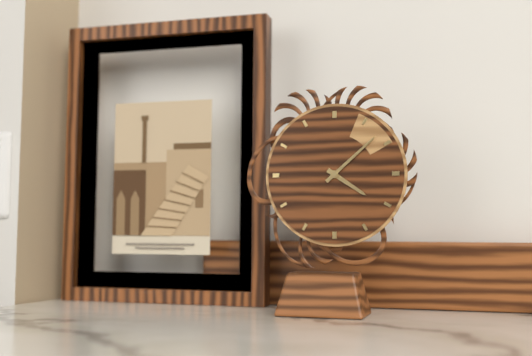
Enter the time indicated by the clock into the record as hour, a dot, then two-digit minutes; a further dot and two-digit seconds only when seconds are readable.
4.08
